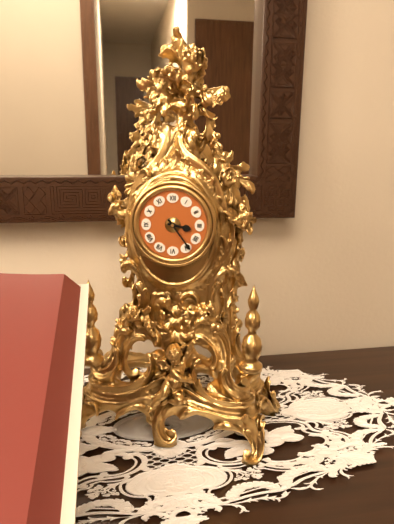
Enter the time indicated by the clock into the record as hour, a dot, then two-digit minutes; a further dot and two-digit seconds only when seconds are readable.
3.24
